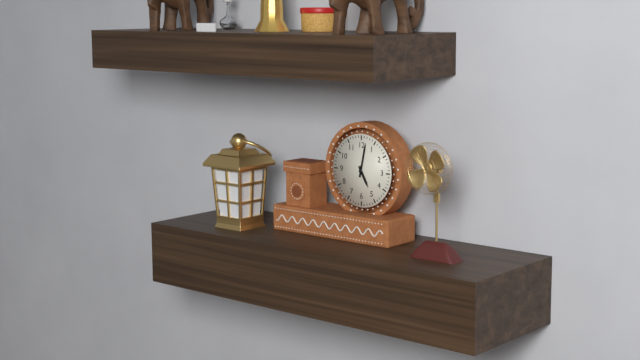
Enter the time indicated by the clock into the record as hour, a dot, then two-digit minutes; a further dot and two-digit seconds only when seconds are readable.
5.02
